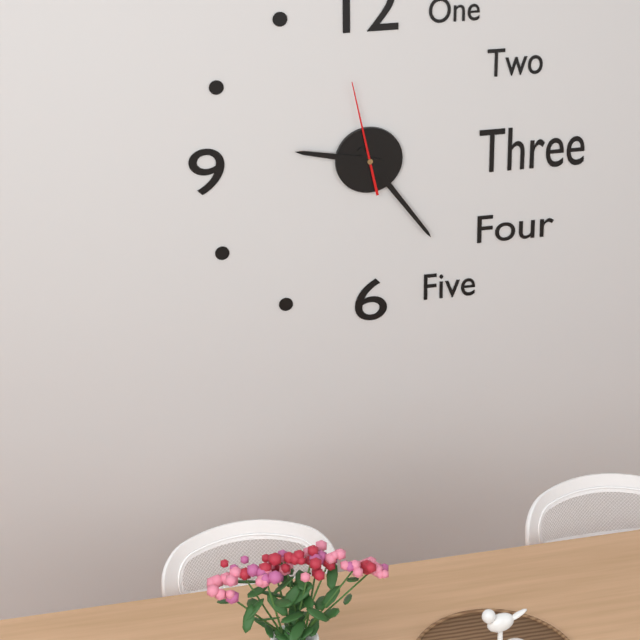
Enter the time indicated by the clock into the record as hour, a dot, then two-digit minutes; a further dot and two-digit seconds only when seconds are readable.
9.24.58
